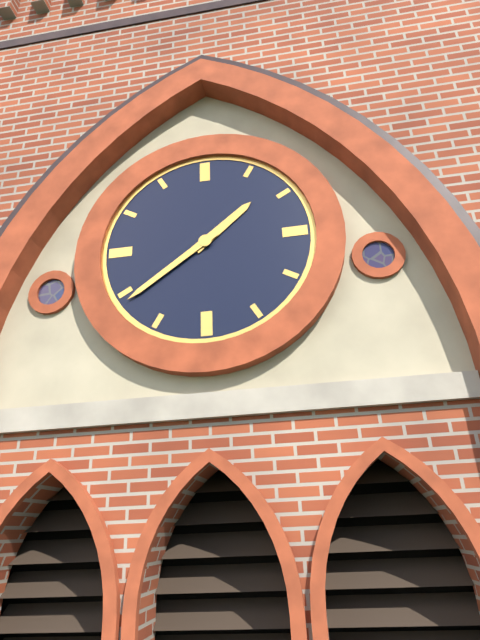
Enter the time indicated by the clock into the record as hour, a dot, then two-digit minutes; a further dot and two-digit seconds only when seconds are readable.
1.39
